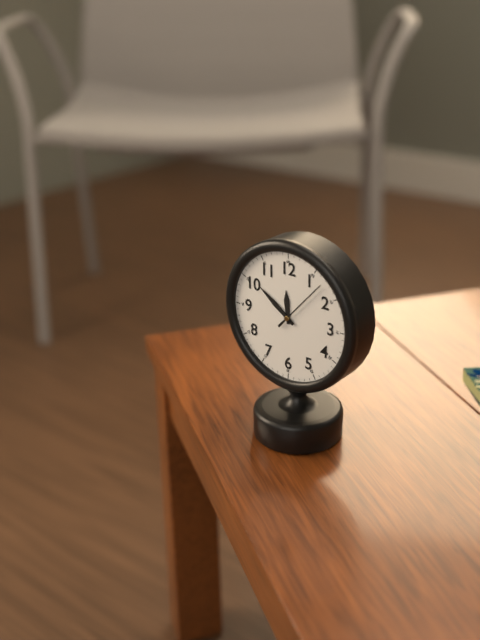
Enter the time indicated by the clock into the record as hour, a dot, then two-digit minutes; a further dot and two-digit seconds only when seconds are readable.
11.51.07
